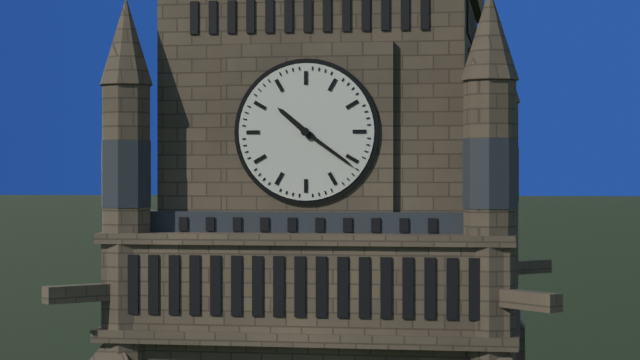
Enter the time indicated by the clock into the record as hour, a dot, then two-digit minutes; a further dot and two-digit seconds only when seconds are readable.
10.21
